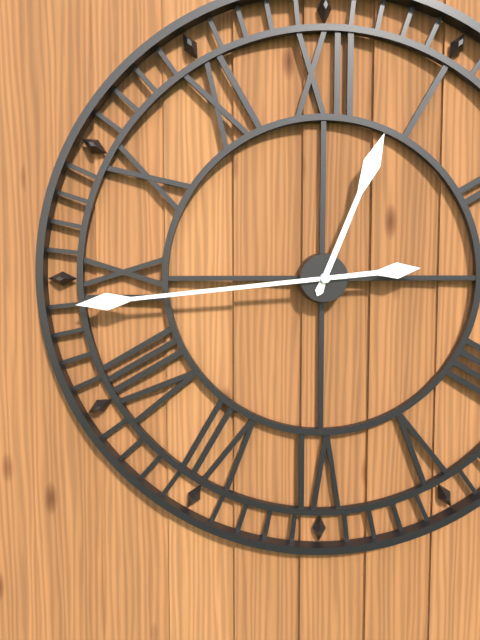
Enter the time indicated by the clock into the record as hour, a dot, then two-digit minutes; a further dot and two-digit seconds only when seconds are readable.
12.44
